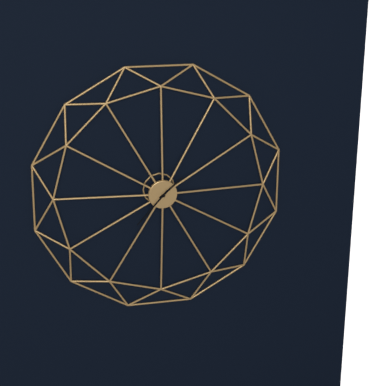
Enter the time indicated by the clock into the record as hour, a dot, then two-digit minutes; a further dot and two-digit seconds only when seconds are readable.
1.37
